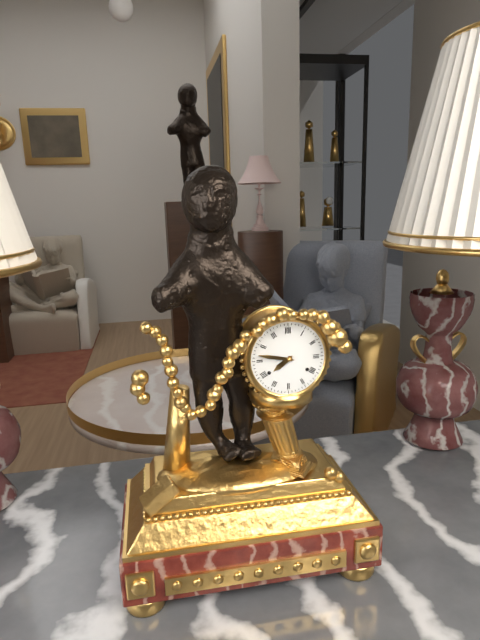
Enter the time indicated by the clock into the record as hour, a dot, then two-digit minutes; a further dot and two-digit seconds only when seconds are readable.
7.47
